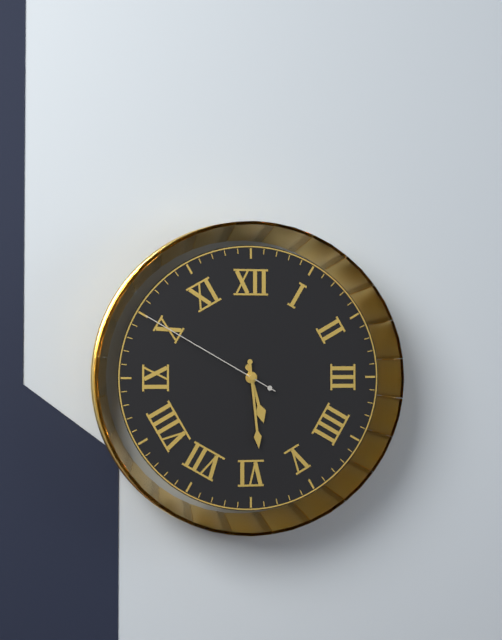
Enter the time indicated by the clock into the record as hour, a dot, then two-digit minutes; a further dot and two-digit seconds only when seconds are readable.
5.29.50
